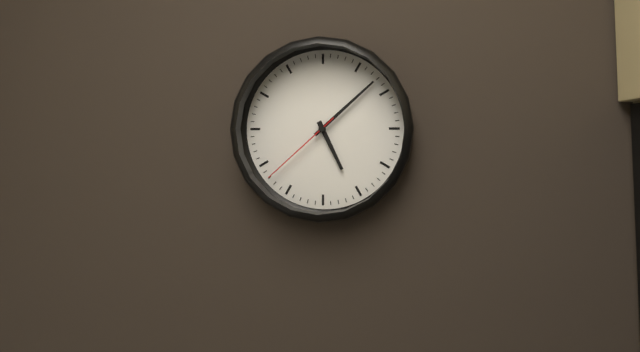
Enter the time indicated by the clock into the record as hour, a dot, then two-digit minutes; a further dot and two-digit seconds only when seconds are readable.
5.08.38
